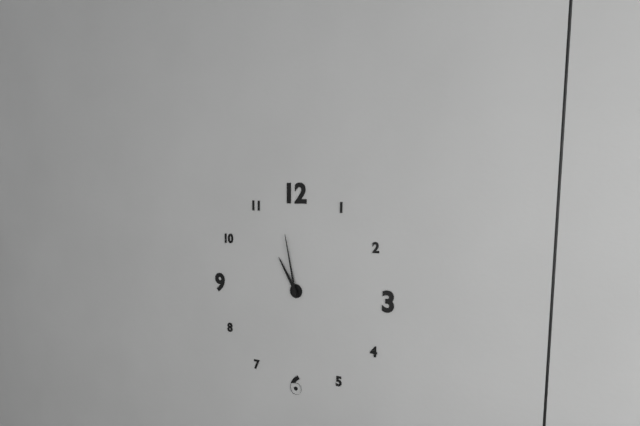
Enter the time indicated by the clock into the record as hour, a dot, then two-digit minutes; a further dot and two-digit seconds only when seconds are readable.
10.58
